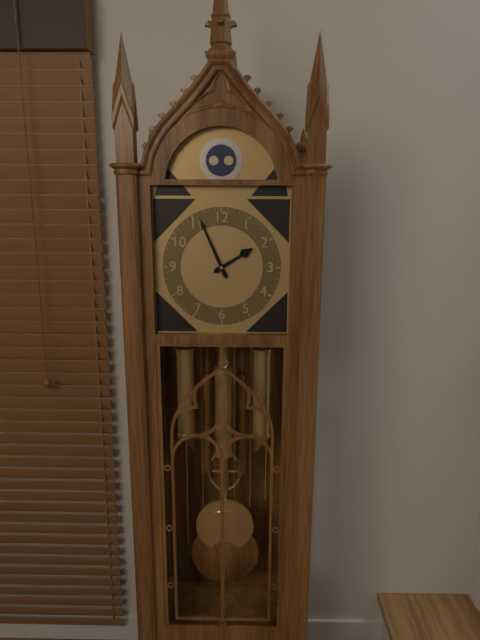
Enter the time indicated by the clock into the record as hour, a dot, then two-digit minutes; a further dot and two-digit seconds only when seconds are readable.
1.56
